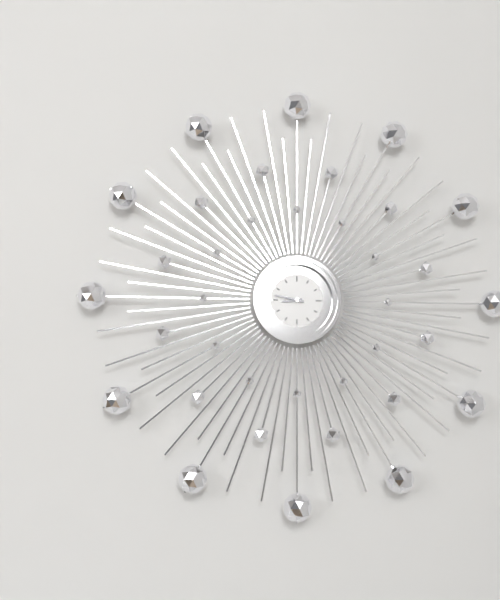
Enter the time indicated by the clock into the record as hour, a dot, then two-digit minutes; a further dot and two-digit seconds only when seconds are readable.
8.47
